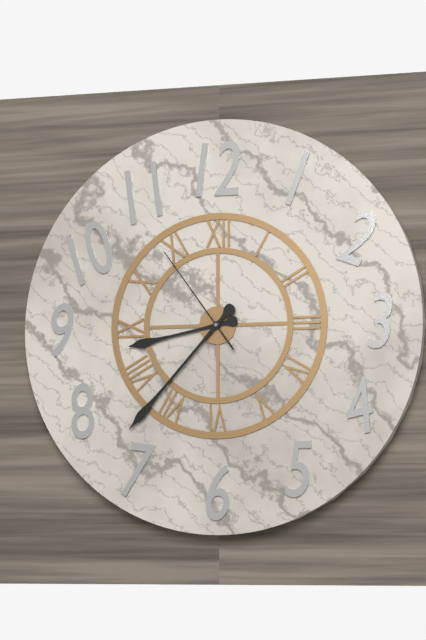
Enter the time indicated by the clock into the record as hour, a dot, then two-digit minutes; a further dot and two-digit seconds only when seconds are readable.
8.37.54
